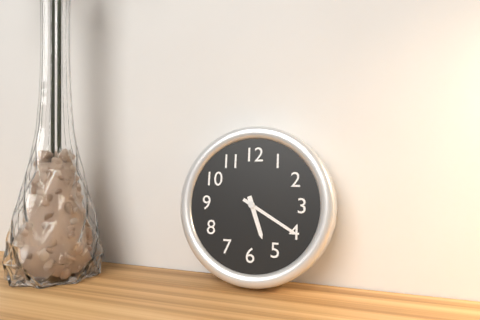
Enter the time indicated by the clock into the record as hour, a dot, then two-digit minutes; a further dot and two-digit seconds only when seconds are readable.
5.20
